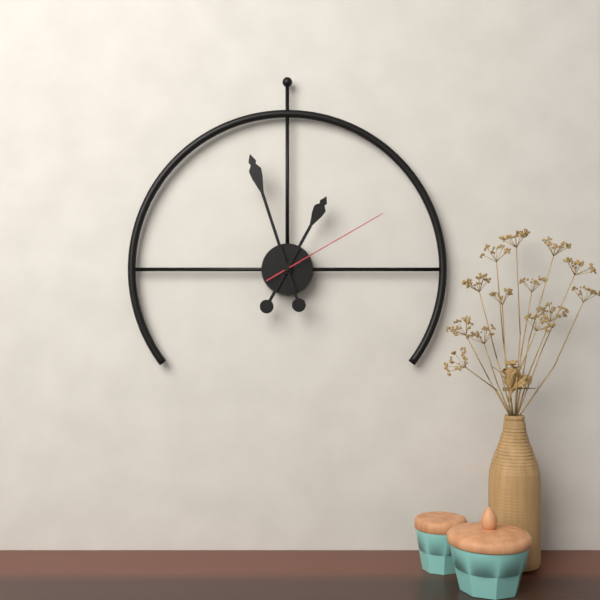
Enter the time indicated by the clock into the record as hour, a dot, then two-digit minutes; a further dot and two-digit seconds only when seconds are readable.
12.57.10
